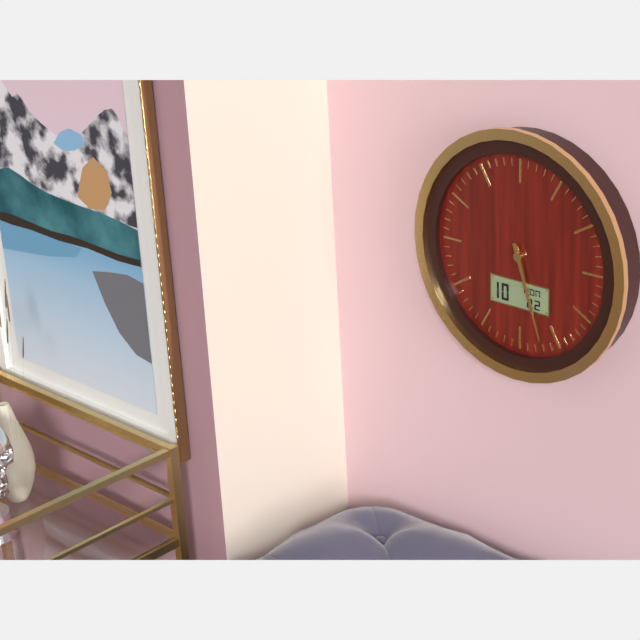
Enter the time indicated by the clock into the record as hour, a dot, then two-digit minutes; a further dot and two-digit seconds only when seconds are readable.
5.27
